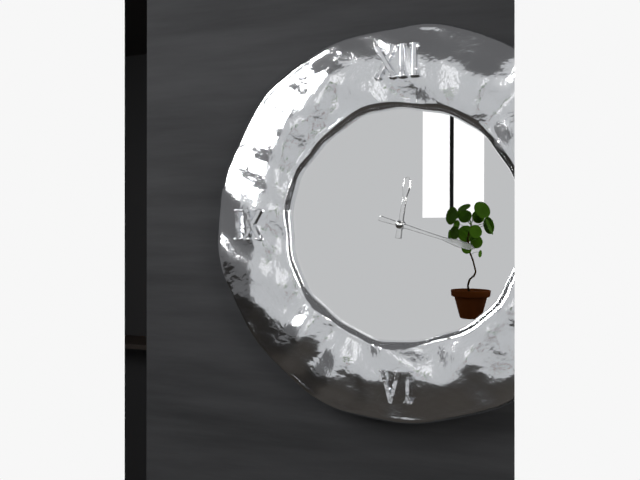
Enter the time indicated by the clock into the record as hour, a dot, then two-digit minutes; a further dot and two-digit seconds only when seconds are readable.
12.18
